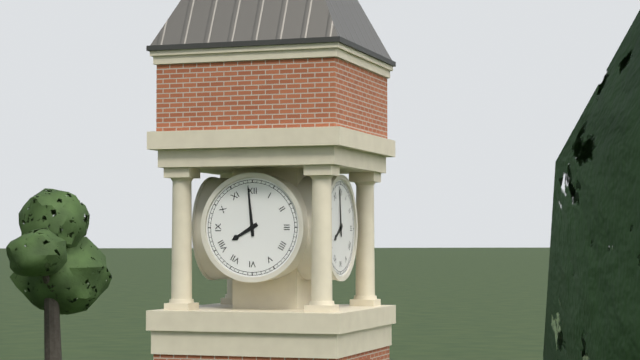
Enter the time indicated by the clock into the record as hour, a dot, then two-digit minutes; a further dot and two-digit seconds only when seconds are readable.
7.59
